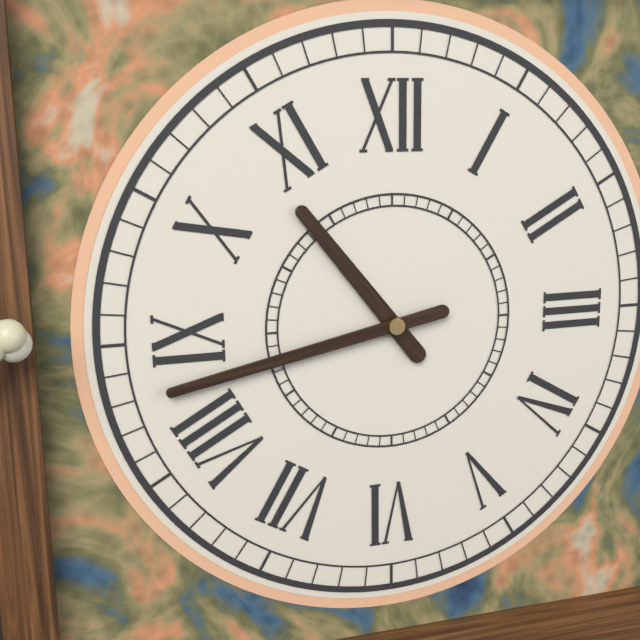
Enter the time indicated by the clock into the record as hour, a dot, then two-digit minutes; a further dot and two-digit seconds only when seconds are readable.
10.43
